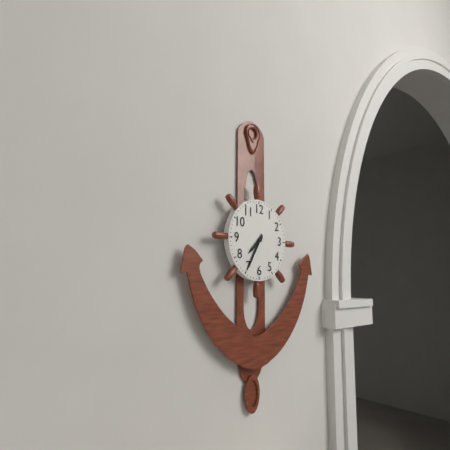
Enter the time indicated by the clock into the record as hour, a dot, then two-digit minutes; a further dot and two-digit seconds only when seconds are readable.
7.35
